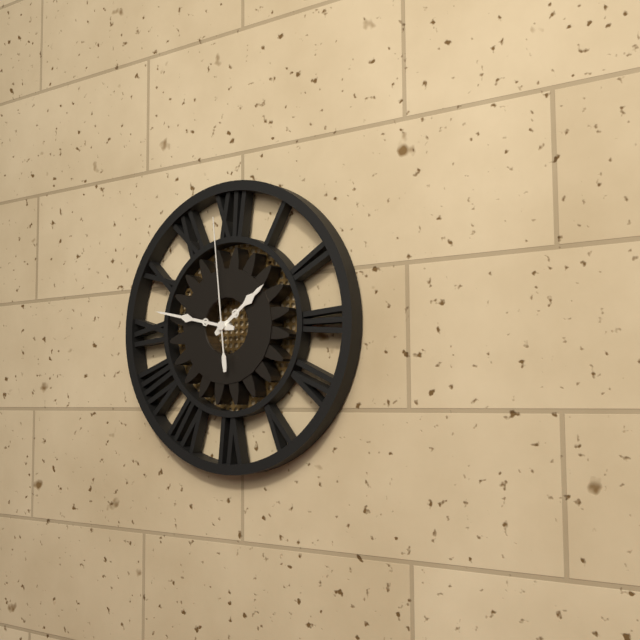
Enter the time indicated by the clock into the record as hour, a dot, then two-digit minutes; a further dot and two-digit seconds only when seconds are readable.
1.47.59
